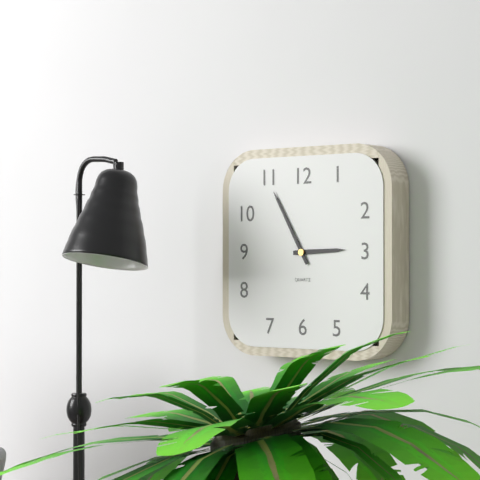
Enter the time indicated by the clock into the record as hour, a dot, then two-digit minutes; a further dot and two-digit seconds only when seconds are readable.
2.55
